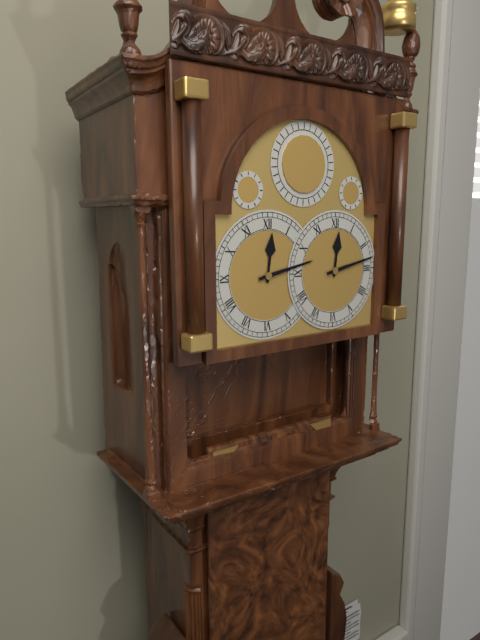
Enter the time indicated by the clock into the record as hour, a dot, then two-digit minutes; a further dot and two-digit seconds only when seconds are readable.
12.13
